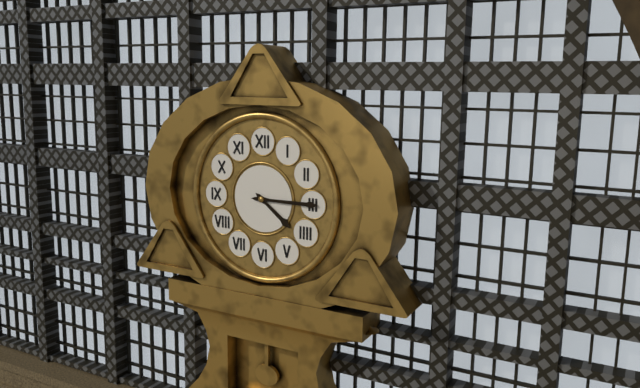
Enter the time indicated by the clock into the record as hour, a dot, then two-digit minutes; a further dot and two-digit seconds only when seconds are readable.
4.15
